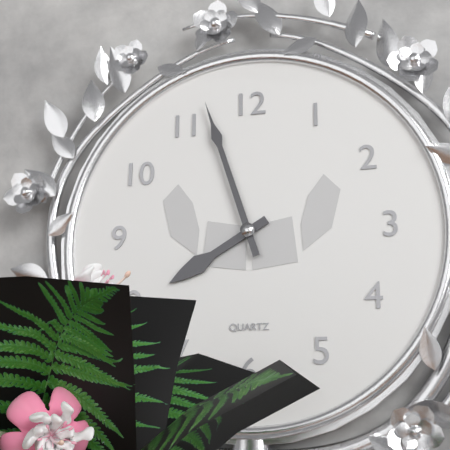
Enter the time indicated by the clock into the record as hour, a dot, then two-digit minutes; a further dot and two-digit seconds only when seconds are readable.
7.57
